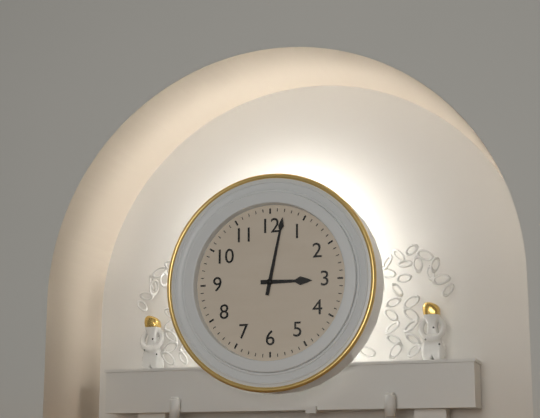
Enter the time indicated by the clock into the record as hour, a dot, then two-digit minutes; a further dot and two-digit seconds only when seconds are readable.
3.02
